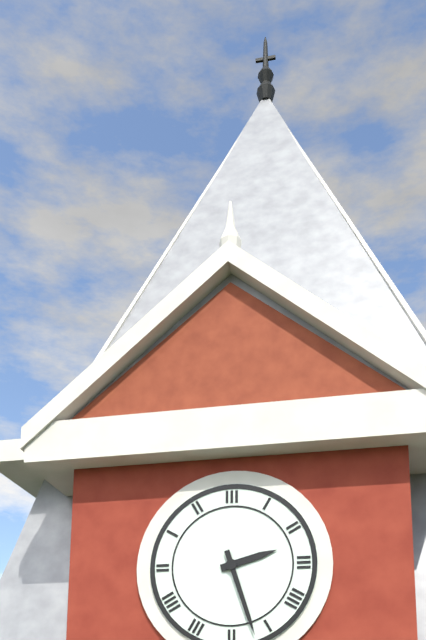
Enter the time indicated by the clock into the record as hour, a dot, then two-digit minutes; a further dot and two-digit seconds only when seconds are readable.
2.27
